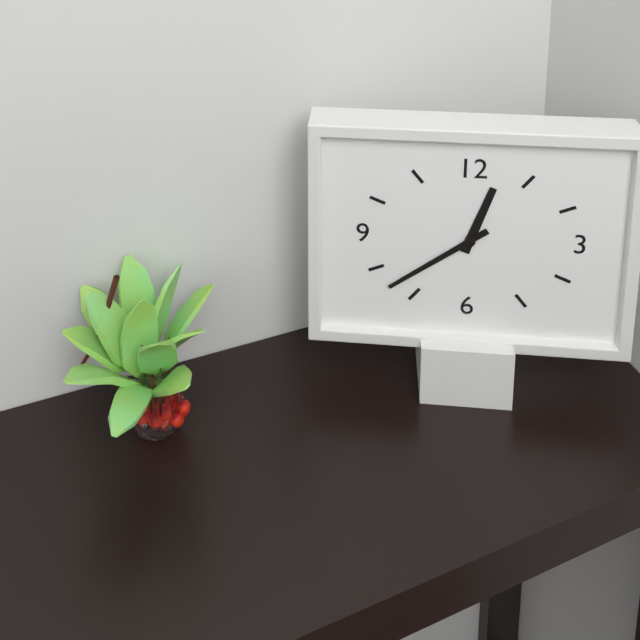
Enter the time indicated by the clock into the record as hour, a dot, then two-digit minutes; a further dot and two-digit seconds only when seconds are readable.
12.39
